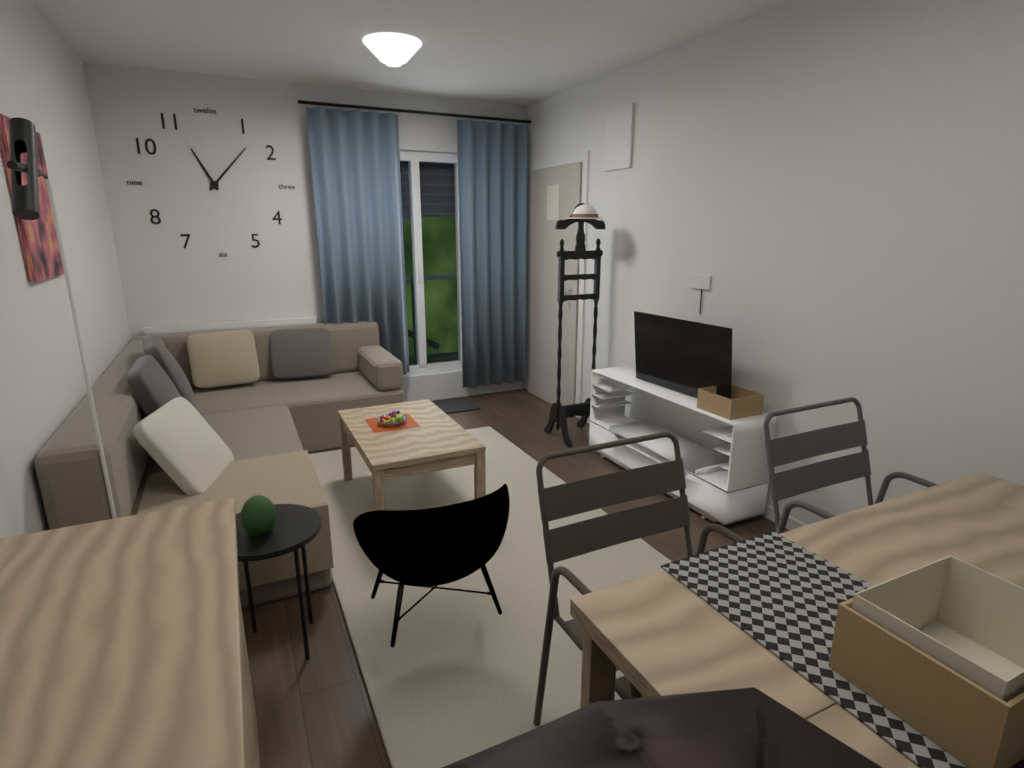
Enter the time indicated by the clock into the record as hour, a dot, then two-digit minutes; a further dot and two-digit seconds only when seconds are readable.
11.07
